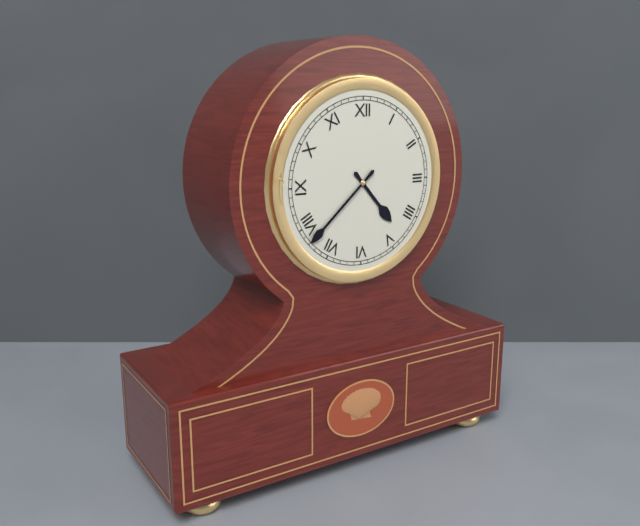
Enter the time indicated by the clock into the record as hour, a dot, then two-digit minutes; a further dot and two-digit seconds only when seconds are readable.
4.38
